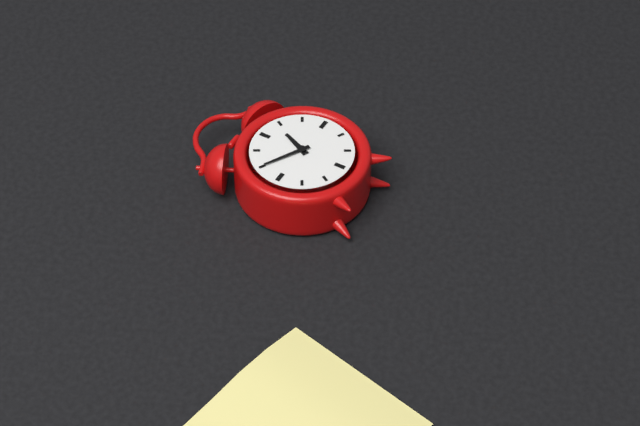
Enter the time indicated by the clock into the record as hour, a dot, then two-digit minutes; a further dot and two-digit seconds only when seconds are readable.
12.50
